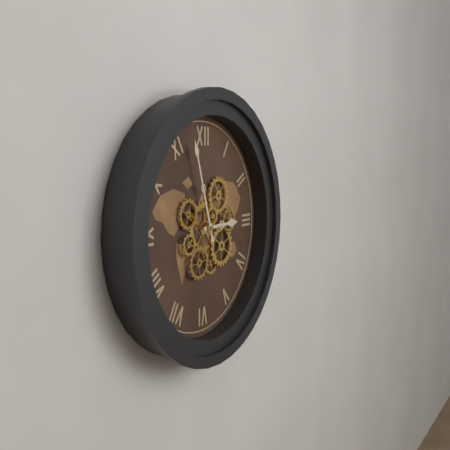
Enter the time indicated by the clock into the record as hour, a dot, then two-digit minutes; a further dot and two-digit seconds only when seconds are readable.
2.57
